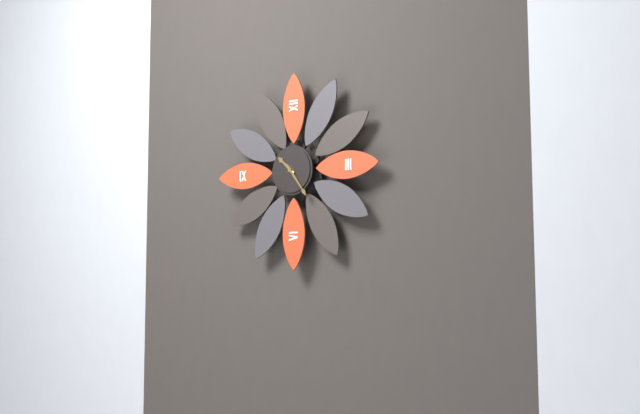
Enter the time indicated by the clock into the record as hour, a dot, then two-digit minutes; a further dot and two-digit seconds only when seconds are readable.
10.24
